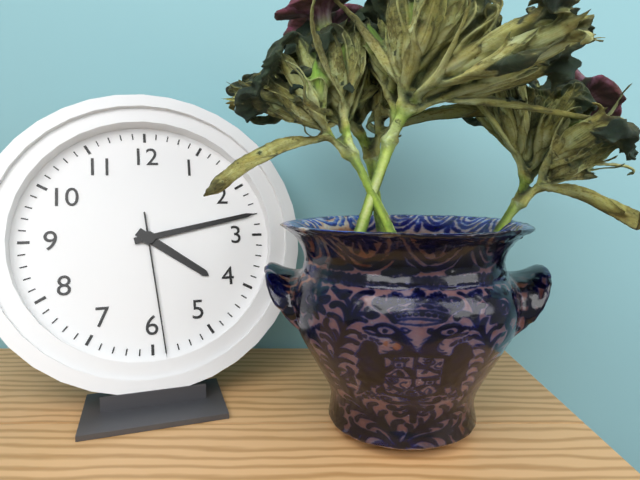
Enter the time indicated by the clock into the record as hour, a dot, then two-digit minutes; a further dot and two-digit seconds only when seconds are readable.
4.13.29
